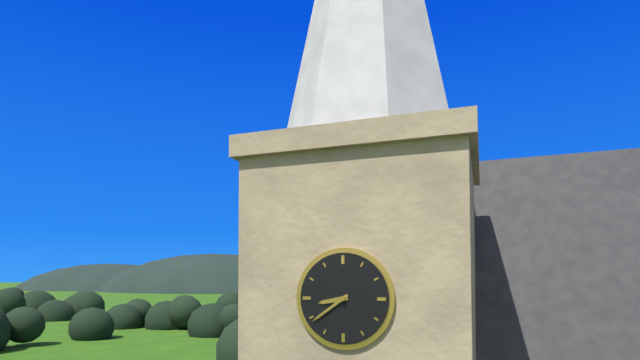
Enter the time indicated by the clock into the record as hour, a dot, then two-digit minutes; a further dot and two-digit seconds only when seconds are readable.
8.39
